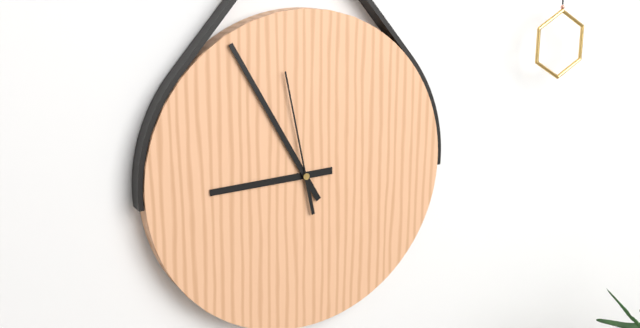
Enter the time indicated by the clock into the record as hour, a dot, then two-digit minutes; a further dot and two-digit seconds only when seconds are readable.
8.55.58
